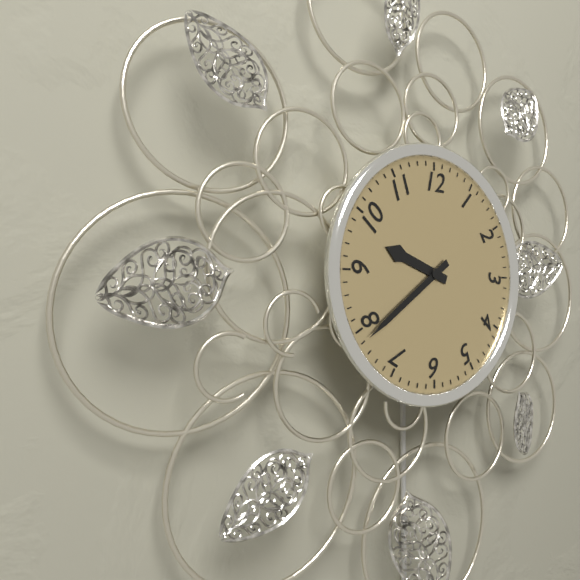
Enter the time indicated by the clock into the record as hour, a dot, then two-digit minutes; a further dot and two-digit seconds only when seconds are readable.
9.39
